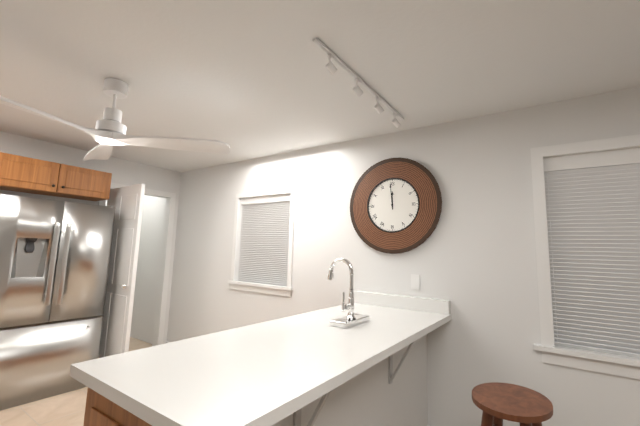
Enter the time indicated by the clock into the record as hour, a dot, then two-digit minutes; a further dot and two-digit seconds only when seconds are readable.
11.59
